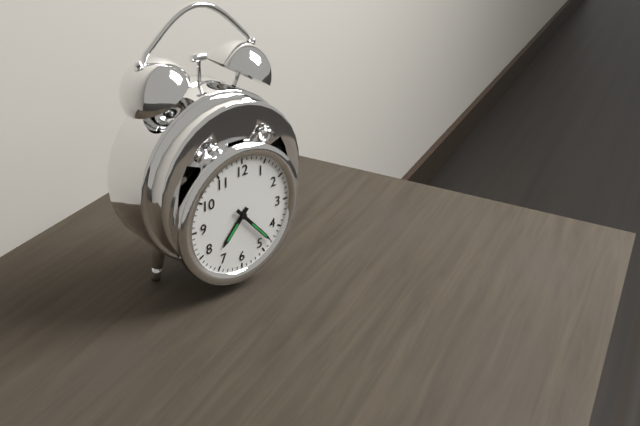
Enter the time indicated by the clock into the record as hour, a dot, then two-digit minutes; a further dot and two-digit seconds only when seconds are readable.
7.23
